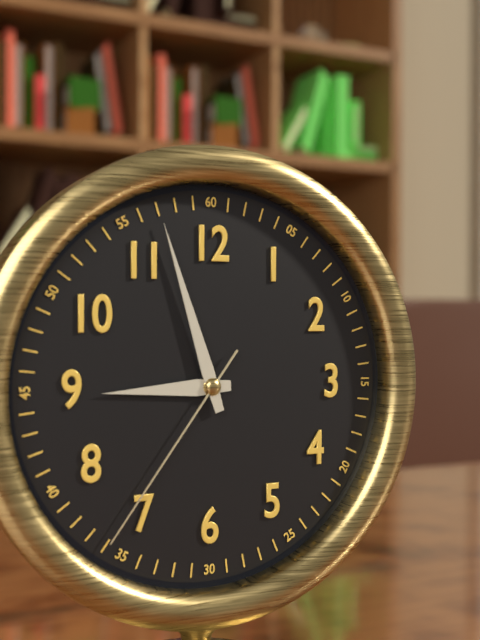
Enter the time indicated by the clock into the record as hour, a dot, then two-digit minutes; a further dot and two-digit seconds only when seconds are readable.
8.57.36
